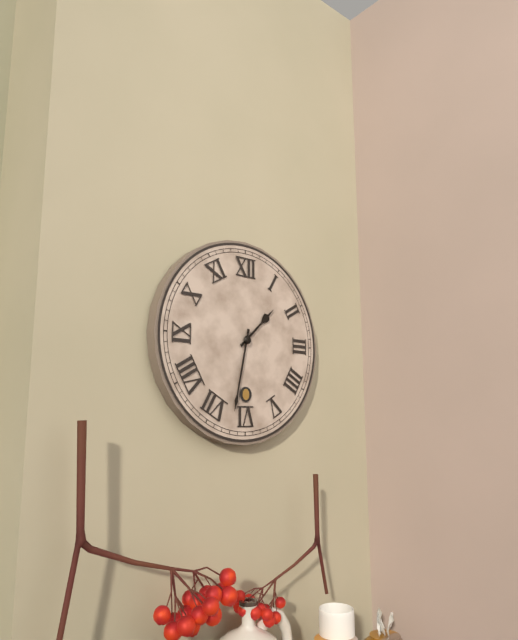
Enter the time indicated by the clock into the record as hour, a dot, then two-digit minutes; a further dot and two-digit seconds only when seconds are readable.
1.32
